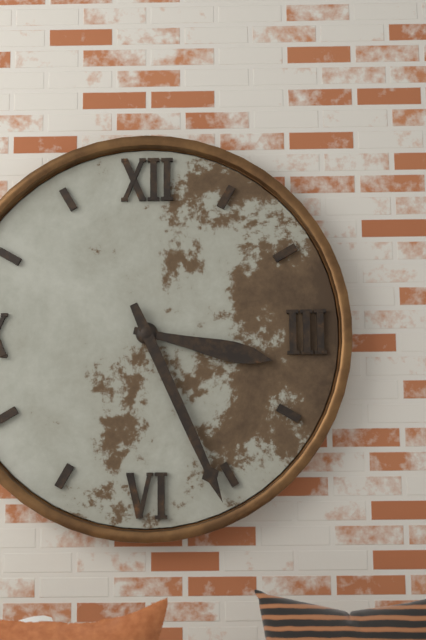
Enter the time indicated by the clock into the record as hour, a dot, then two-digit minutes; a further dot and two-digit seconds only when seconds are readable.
3.26
